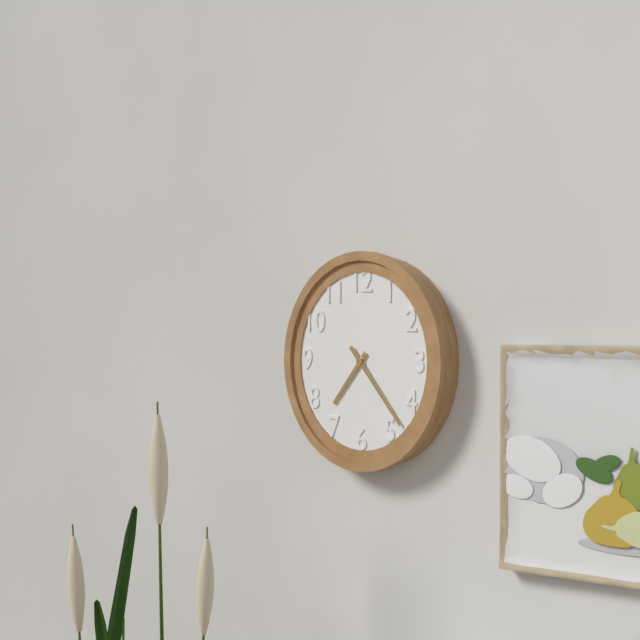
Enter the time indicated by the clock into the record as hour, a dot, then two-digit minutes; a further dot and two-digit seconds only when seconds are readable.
7.23
